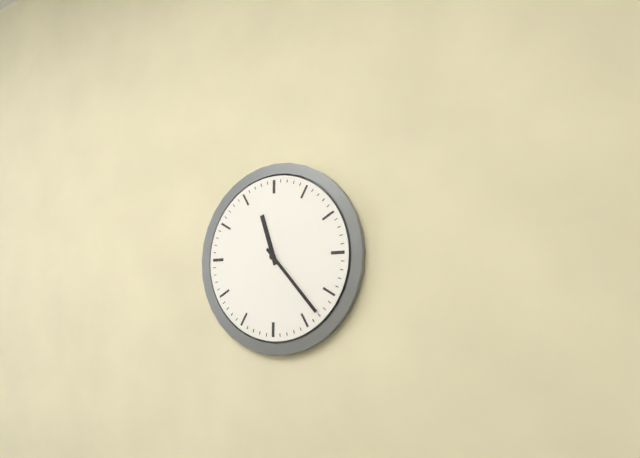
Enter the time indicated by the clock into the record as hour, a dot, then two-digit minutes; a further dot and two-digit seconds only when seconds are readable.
11.23
